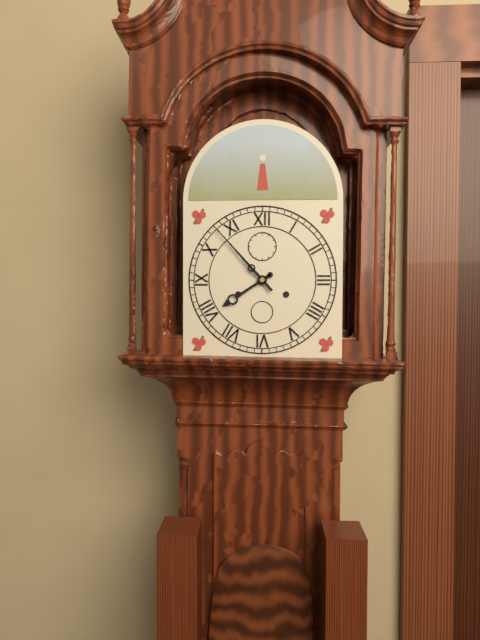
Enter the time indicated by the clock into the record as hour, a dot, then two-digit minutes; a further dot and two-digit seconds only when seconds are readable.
7.53
